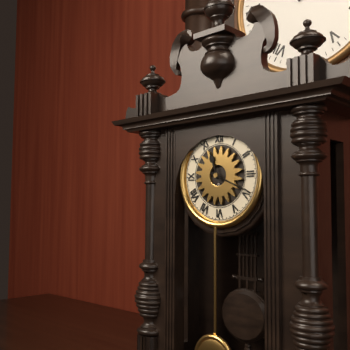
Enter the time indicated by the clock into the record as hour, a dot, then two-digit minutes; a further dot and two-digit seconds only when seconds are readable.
11.19
